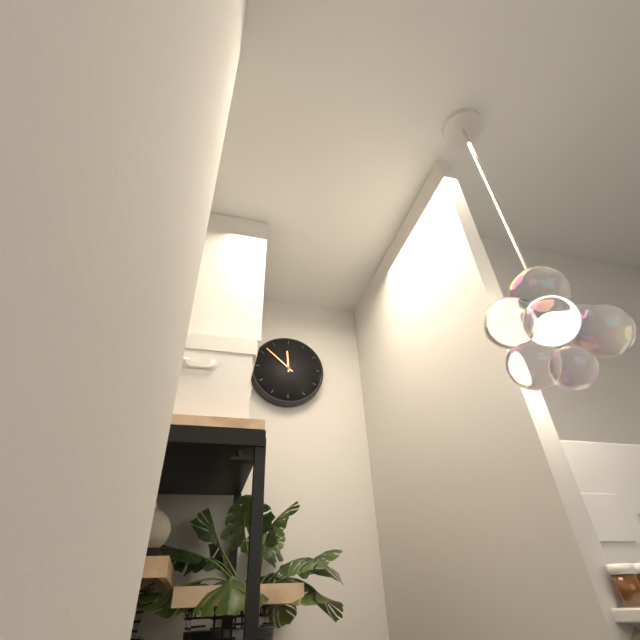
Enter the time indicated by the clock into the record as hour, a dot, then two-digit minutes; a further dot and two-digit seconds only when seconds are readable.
11.52
